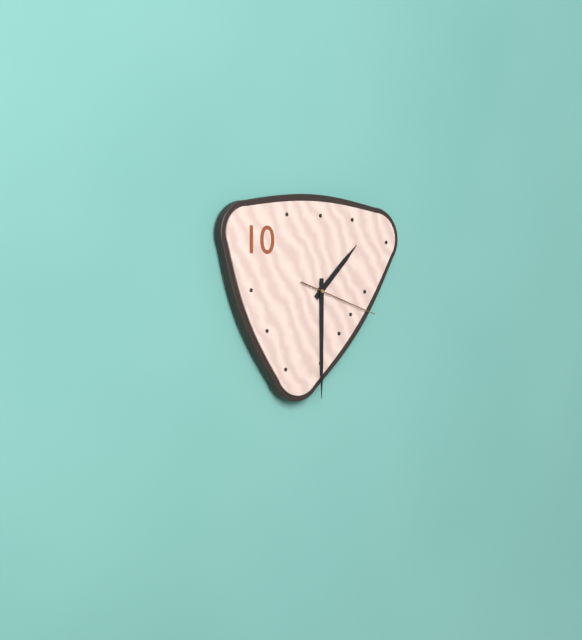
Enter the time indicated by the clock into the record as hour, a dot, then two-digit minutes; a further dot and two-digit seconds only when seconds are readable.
1.30.18
